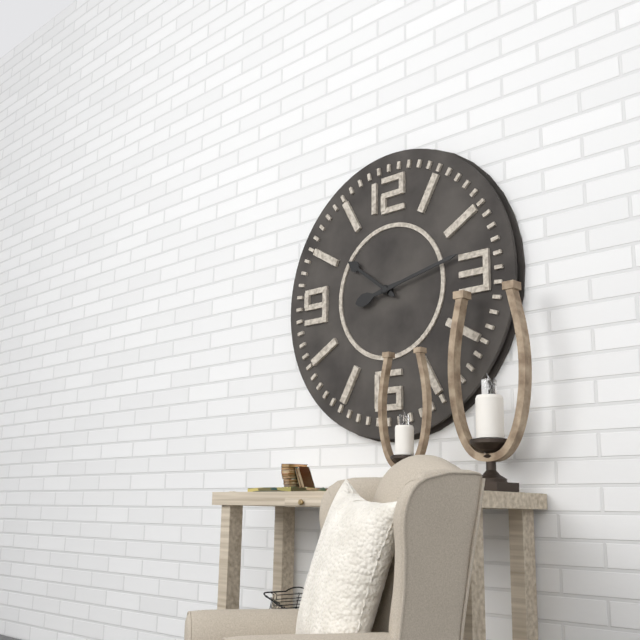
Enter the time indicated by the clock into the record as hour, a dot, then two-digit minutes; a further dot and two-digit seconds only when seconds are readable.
10.13
